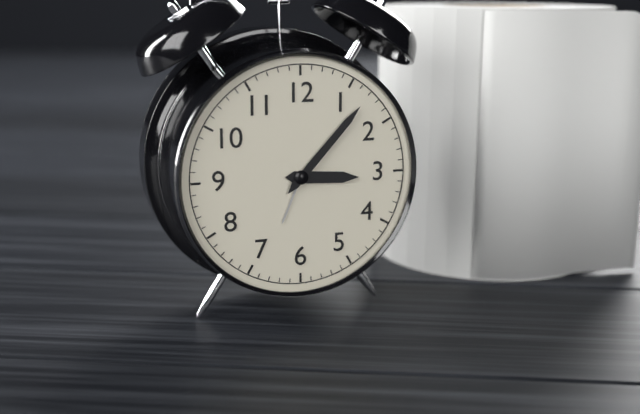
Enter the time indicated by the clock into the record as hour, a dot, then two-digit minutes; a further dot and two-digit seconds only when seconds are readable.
3.07
